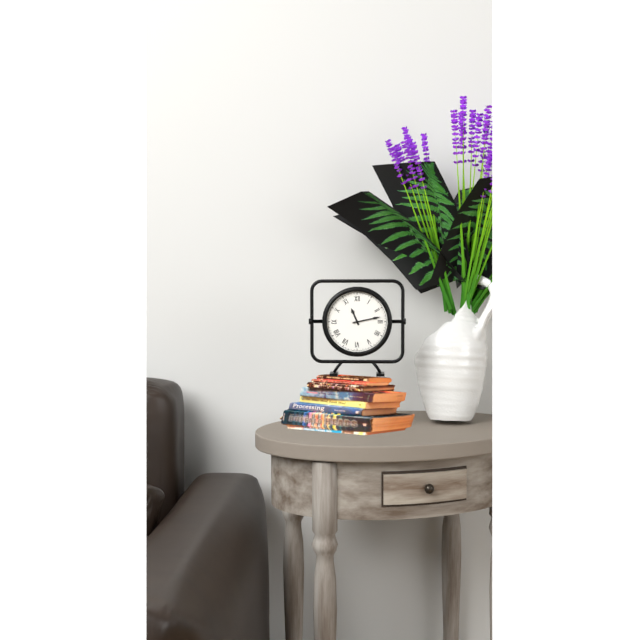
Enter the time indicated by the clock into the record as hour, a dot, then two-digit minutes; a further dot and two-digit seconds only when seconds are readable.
11.13
